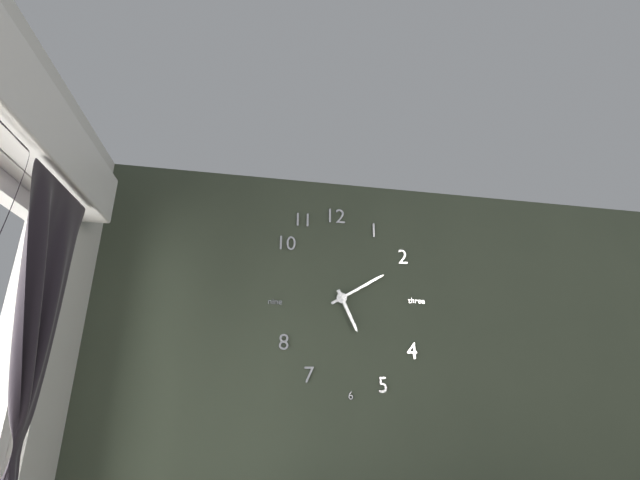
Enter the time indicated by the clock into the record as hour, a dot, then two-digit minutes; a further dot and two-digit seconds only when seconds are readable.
5.10
